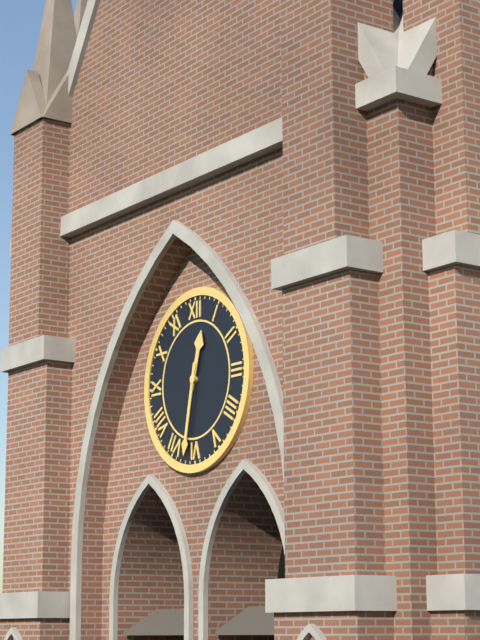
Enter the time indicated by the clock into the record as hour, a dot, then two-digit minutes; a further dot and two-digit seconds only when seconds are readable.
12.32
